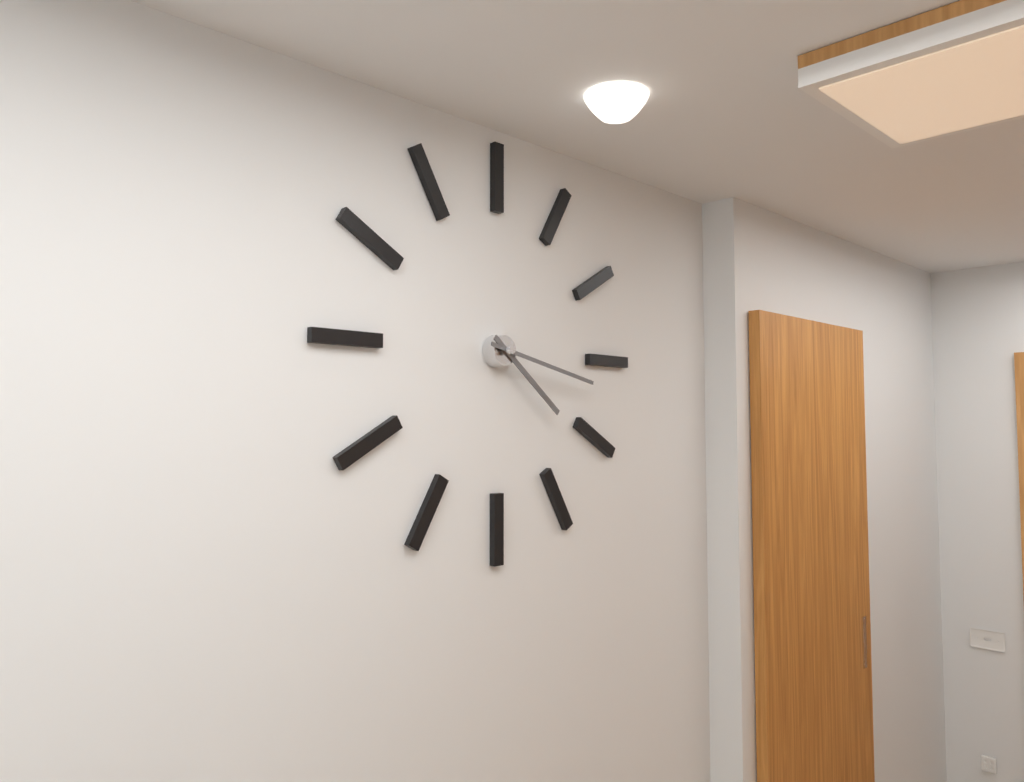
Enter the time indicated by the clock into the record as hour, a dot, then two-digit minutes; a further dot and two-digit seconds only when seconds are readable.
4.17
